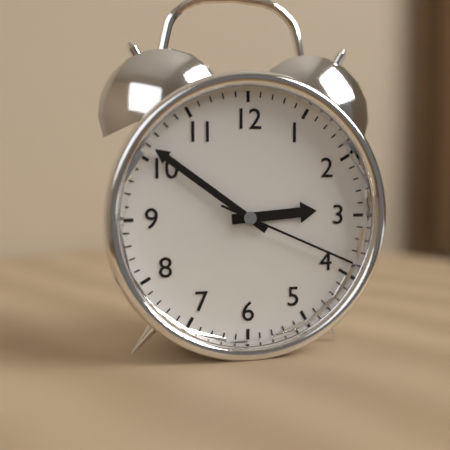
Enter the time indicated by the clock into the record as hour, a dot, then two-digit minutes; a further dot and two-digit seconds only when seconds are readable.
2.51.19
